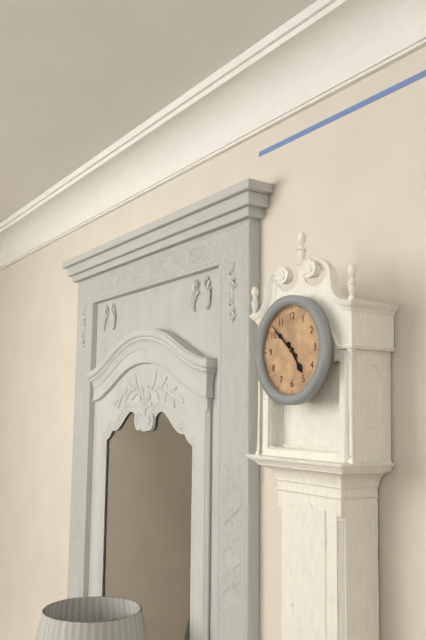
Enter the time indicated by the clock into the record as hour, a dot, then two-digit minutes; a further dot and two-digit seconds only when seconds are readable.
4.52
